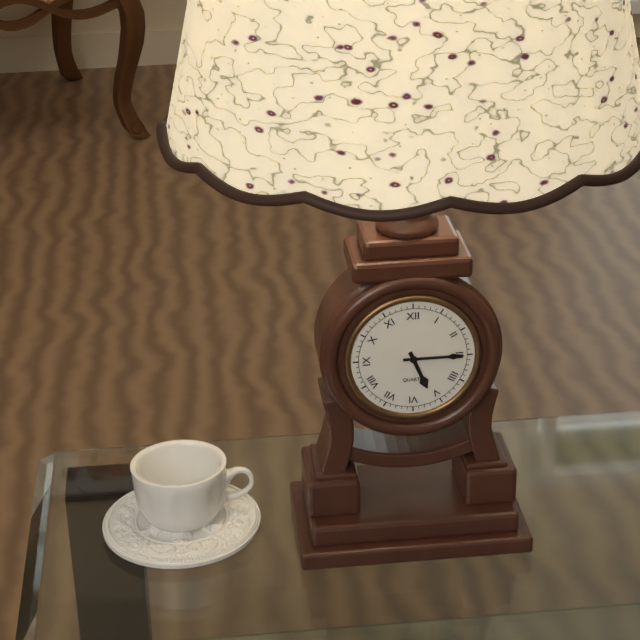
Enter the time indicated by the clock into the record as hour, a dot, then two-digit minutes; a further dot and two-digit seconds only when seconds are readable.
5.15
